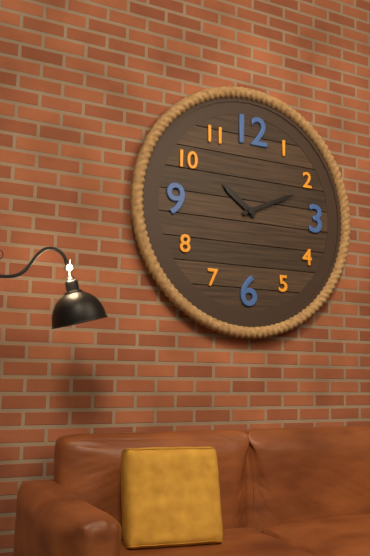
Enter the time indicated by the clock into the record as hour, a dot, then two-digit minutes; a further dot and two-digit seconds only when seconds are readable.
10.11
